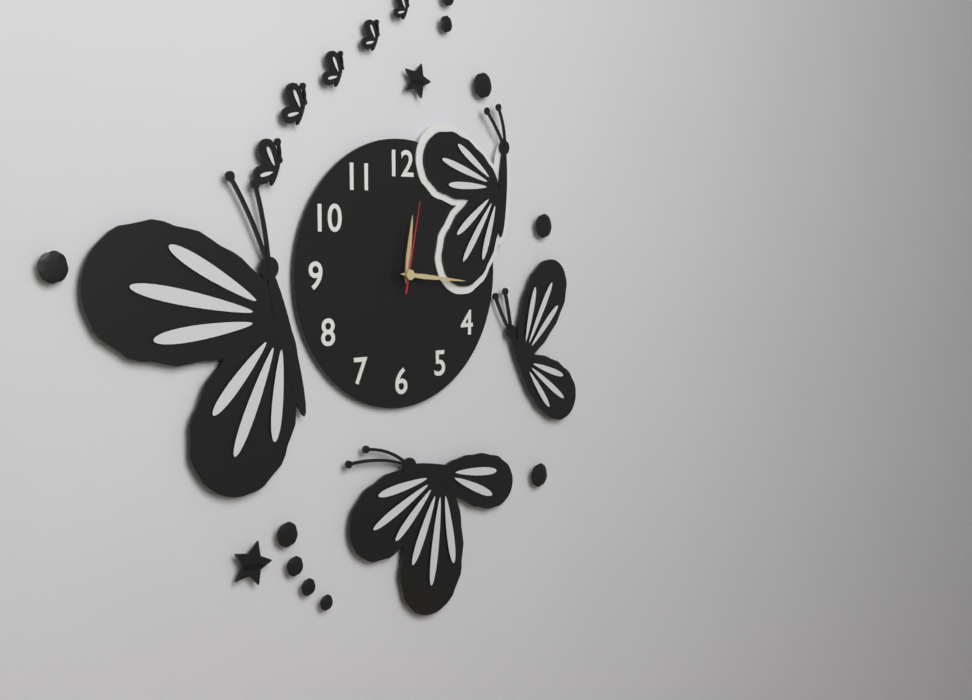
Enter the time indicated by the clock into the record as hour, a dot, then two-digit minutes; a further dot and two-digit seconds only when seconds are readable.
12.16.02
